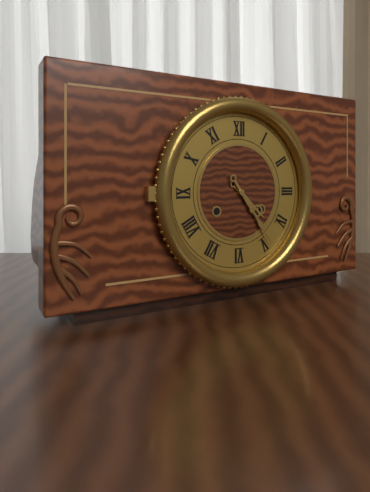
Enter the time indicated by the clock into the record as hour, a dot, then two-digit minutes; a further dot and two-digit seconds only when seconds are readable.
4.24
